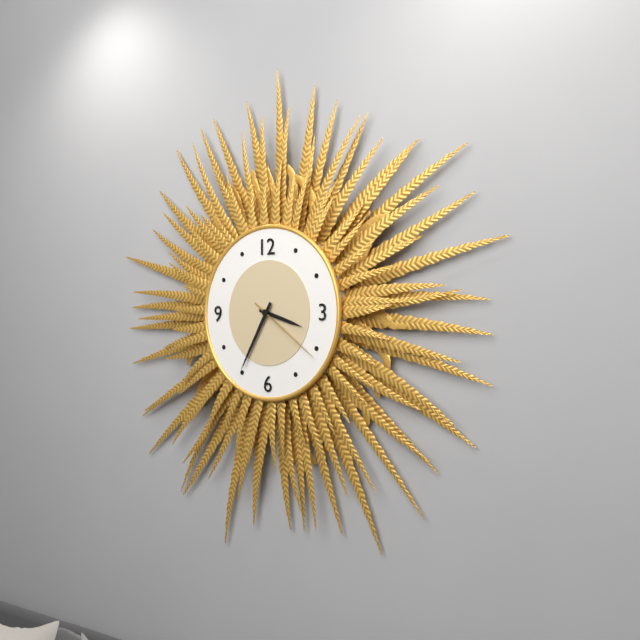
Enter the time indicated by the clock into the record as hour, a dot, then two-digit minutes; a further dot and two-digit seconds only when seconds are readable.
3.35.21
